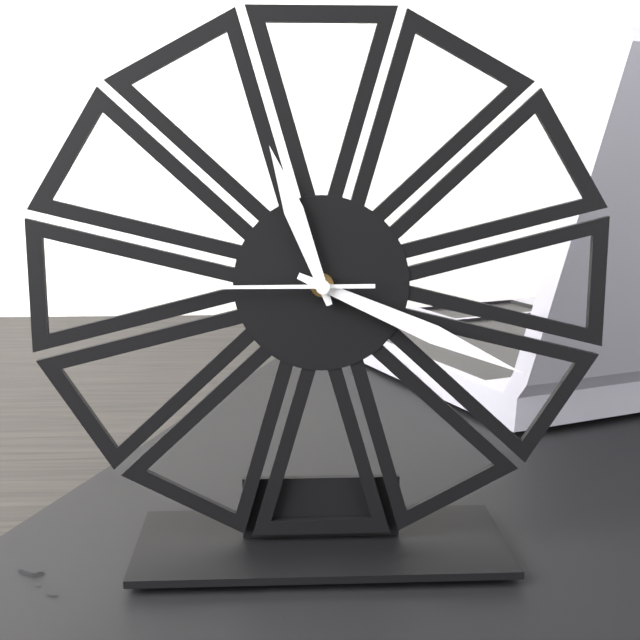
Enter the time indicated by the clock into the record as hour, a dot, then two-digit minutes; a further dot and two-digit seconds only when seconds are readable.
11.19.45
